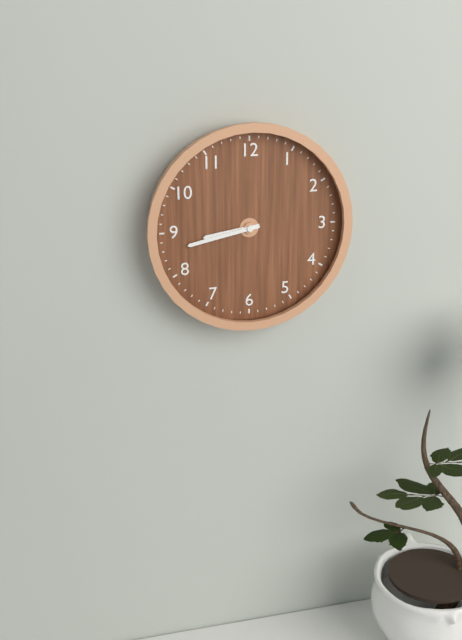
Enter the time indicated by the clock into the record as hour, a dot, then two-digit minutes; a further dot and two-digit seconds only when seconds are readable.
8.43
